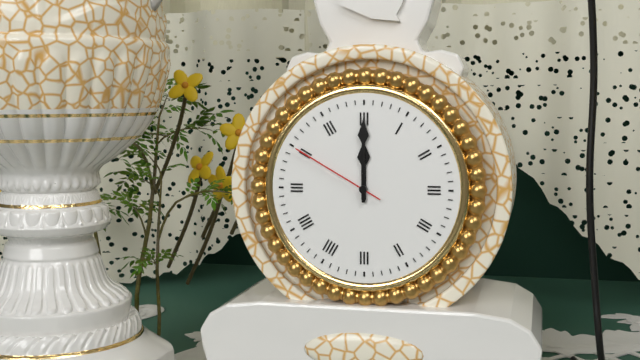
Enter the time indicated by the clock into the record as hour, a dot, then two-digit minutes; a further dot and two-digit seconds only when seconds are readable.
12.00.50
